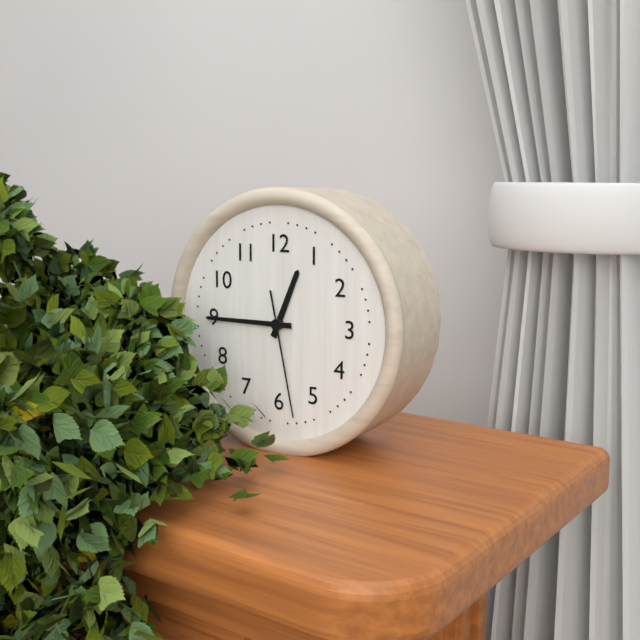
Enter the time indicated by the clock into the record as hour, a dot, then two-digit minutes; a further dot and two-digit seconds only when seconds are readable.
12.45.28
